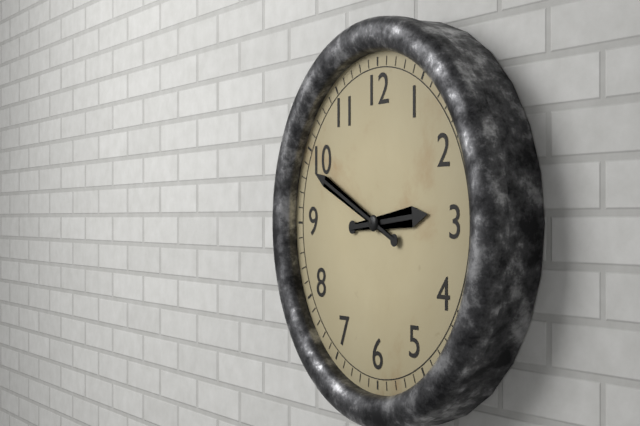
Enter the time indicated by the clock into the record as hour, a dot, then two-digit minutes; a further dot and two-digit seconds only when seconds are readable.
2.49
